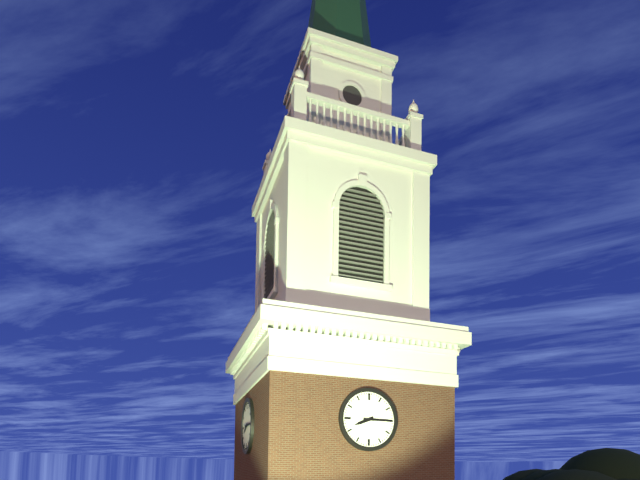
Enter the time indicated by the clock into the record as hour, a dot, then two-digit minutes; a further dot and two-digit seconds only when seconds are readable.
8.15
